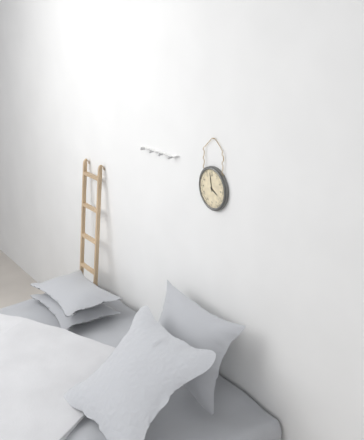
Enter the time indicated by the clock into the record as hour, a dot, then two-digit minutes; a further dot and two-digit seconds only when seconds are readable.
3.58
